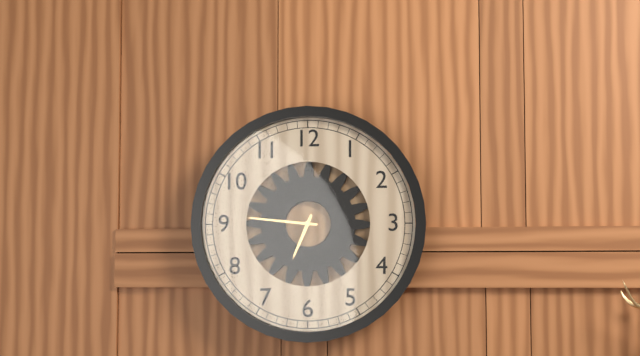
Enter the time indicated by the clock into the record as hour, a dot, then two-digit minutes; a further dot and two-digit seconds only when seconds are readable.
6.46
